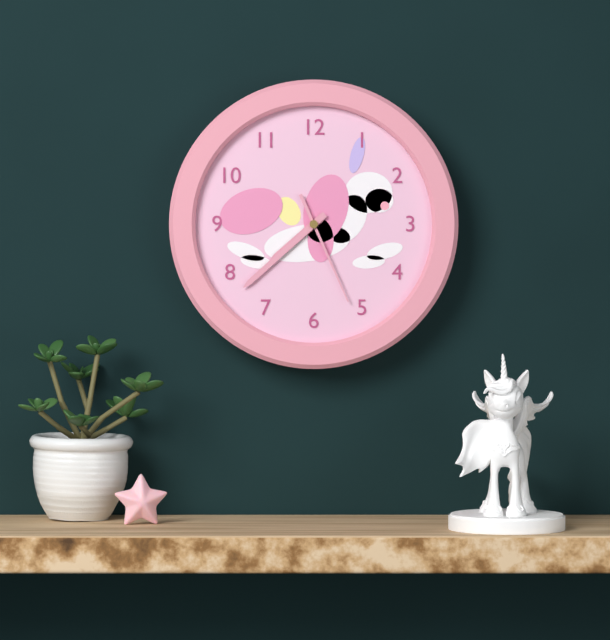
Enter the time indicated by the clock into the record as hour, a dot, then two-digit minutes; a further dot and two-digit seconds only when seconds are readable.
7.38.26
